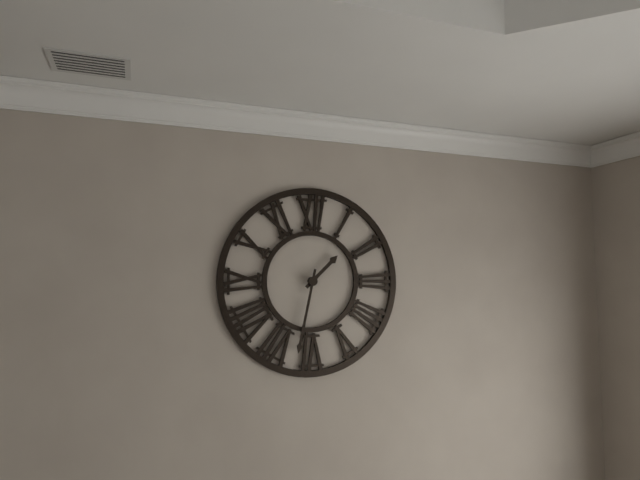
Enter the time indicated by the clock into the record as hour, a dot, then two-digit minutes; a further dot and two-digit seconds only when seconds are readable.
1.32
